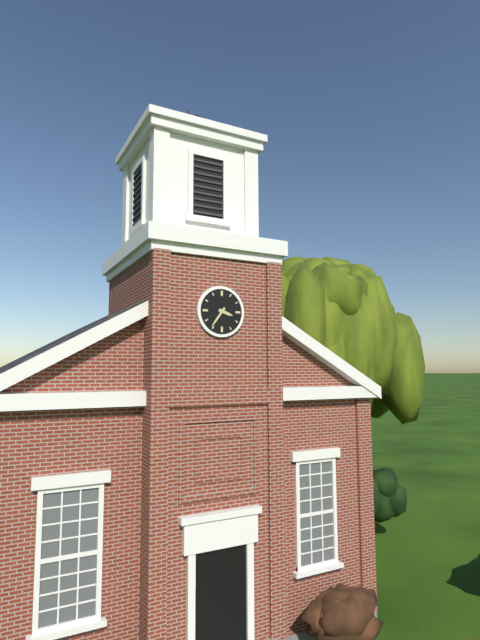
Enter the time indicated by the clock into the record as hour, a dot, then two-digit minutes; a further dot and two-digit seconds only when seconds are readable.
3.36
